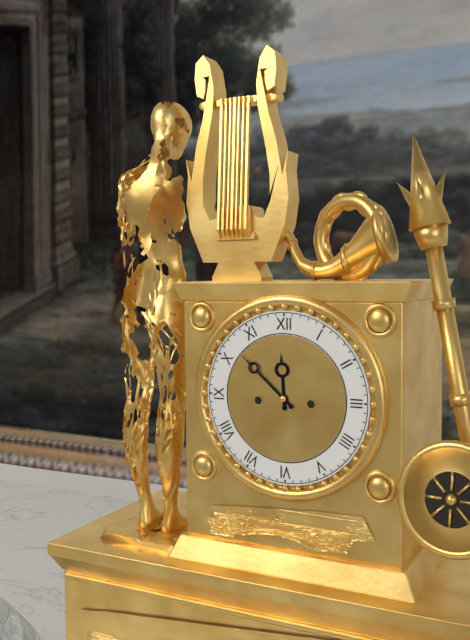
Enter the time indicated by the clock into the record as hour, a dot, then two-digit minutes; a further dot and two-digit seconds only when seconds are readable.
11.52
